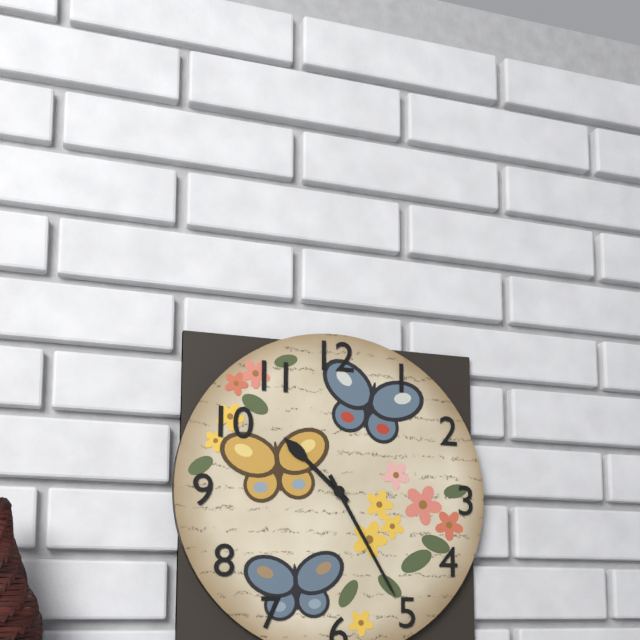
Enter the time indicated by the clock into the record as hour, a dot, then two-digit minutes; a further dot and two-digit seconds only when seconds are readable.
10.25
